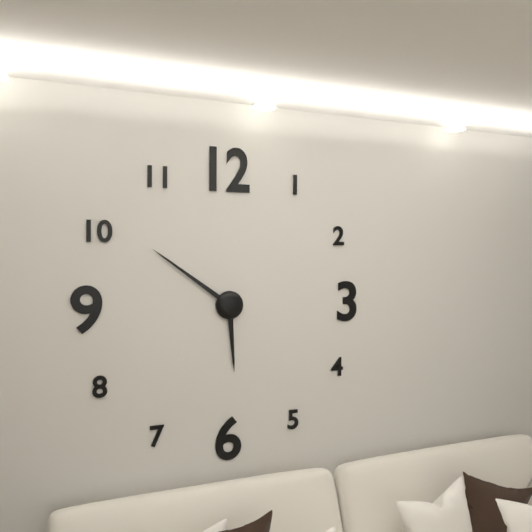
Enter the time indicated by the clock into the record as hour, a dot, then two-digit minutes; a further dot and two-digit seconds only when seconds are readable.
5.51
